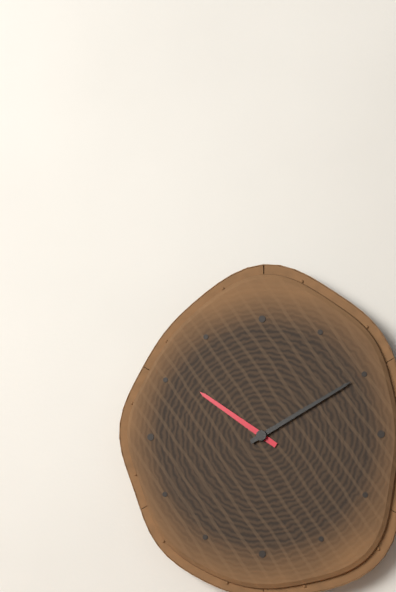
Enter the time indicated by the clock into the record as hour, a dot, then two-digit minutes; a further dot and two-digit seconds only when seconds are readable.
10.10
